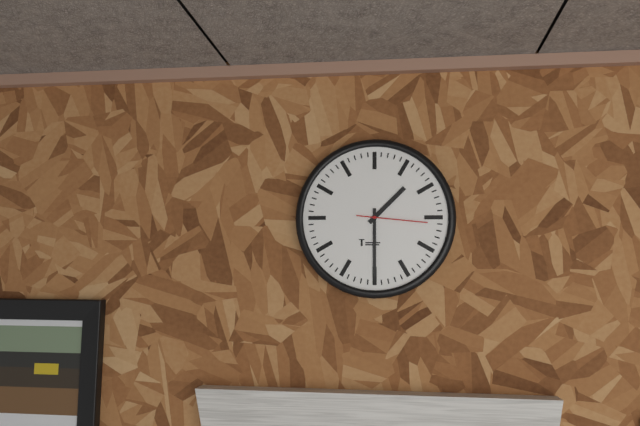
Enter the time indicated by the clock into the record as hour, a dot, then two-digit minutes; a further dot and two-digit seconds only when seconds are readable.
1.30.16
